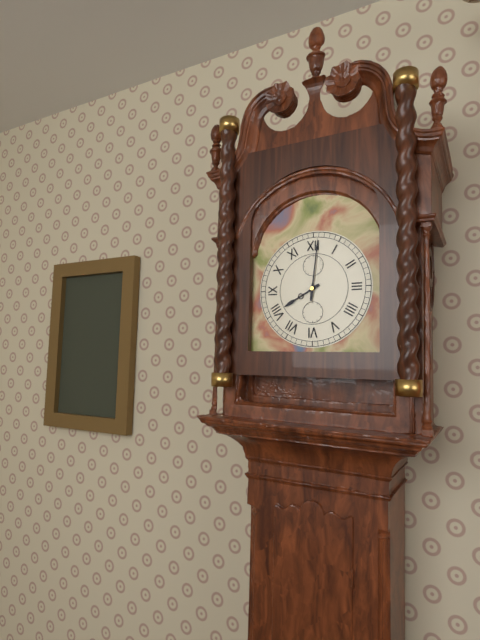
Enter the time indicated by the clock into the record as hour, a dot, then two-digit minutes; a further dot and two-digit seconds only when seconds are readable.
8.01
